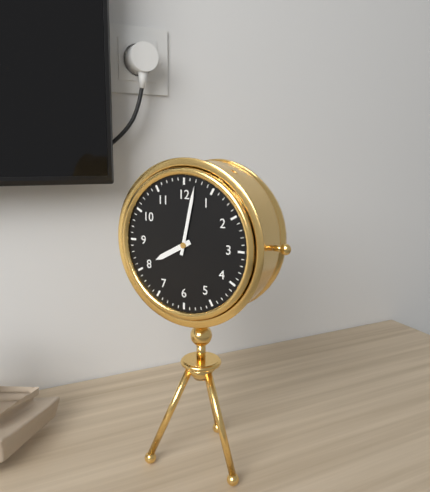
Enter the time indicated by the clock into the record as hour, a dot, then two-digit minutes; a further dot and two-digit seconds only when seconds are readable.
8.02
